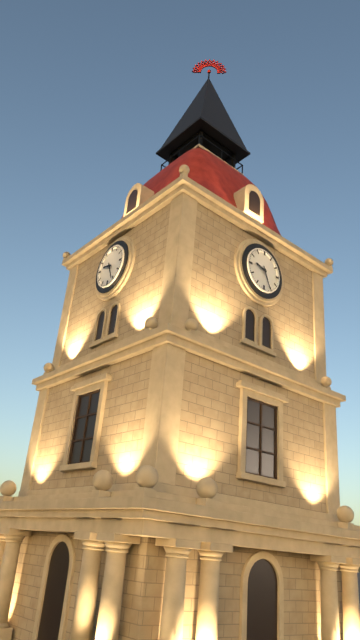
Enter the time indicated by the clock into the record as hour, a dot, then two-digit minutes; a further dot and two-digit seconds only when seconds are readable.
9.26
